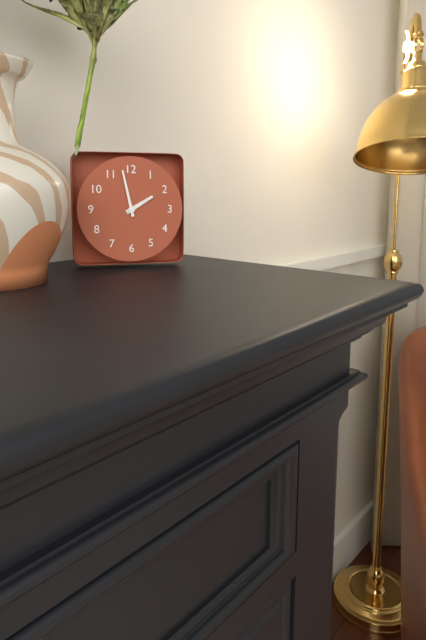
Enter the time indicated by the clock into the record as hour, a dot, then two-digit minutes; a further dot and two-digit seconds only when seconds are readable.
1.58
